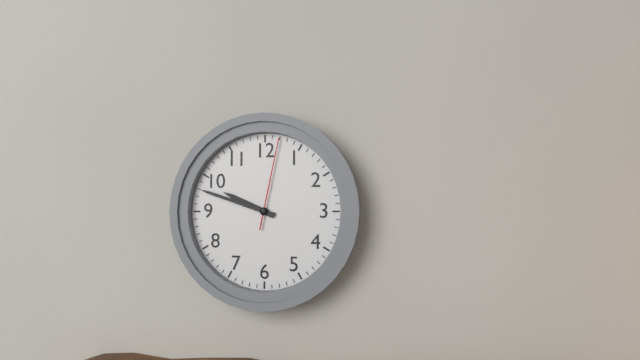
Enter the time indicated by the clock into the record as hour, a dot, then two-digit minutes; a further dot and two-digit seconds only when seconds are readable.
9.48.02
